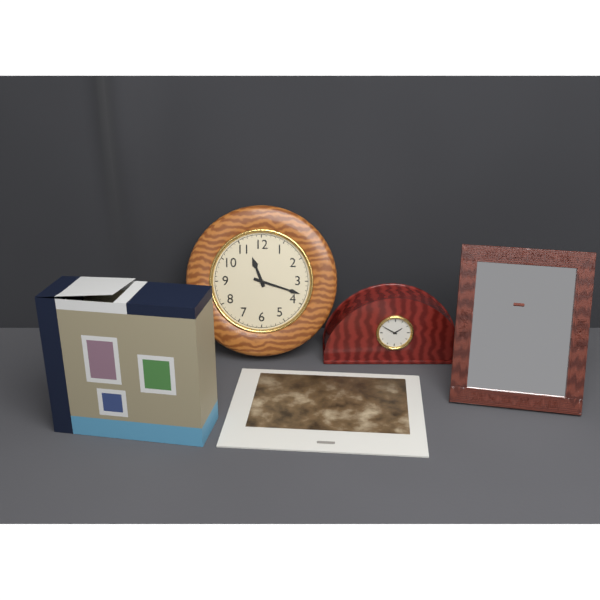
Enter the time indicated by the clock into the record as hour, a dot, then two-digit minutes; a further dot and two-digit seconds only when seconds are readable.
11.18
